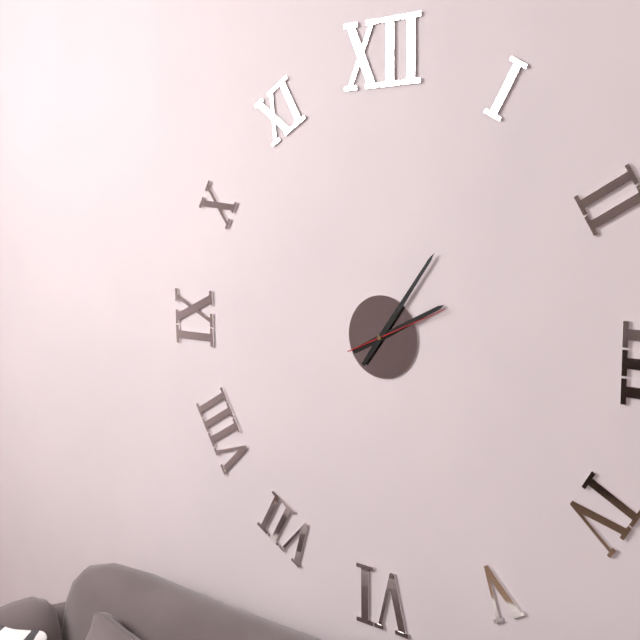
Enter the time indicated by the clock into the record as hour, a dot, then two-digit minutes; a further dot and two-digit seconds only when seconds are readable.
2.06.11
